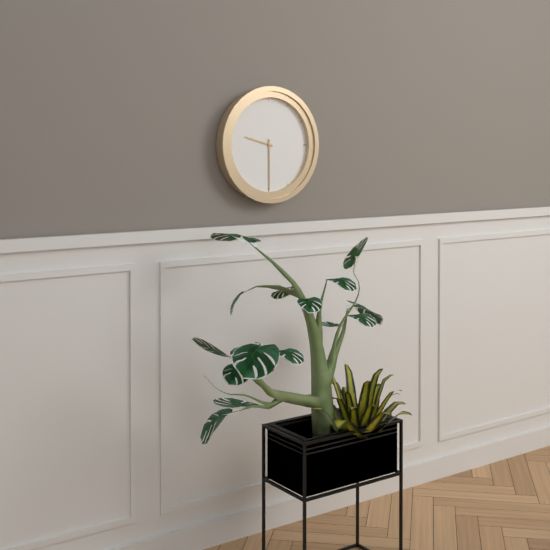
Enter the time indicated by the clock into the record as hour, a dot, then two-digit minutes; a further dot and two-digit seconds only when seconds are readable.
9.30
